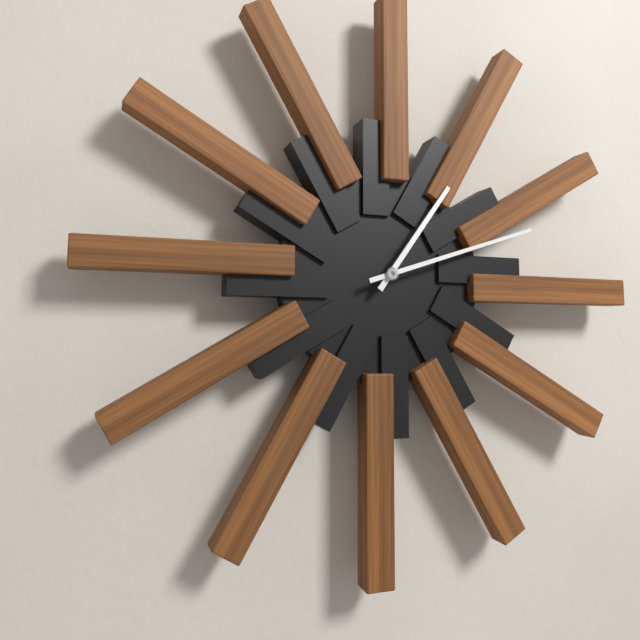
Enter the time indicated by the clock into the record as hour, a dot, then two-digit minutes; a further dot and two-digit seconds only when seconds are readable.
1.12
